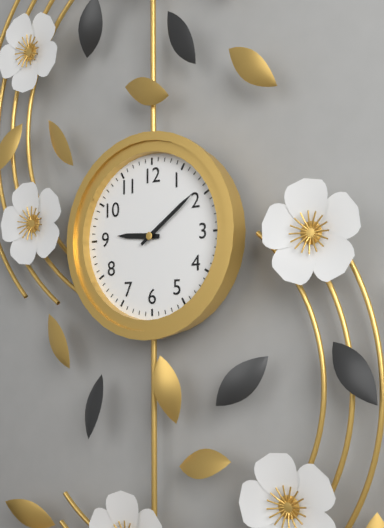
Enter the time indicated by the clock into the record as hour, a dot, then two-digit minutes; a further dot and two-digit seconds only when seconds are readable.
9.09
